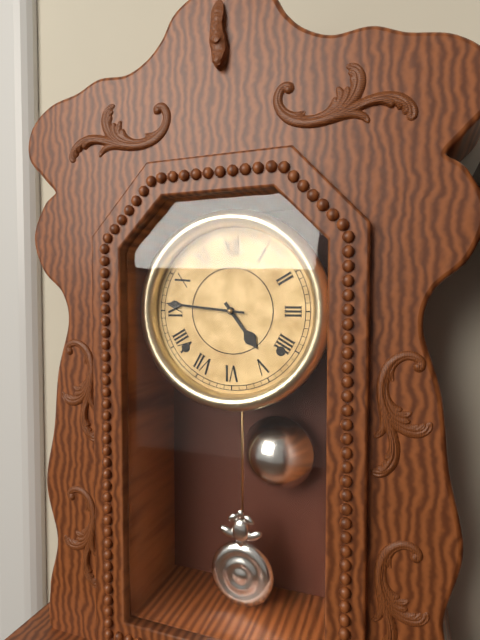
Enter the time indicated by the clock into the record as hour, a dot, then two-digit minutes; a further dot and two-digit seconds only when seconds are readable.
4.46
